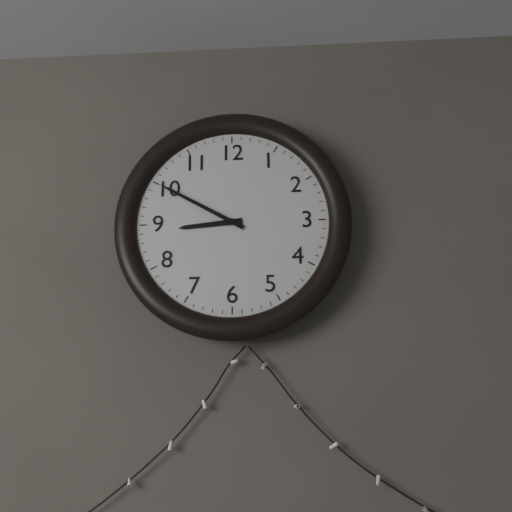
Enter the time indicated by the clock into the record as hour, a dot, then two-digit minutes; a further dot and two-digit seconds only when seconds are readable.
8.50
